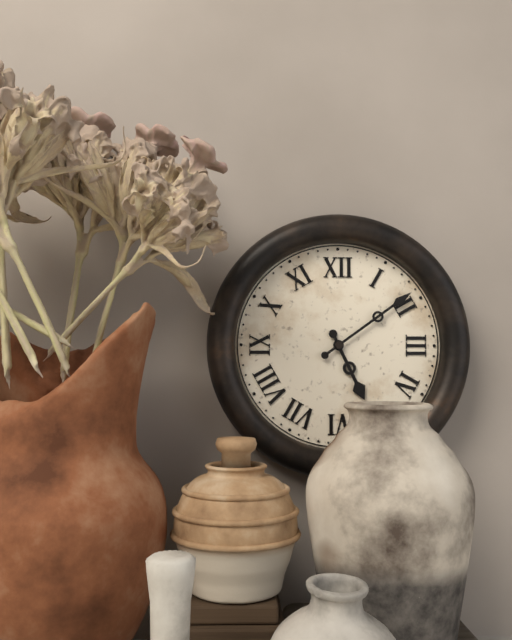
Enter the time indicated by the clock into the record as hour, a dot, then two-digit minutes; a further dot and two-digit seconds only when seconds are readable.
5.09
